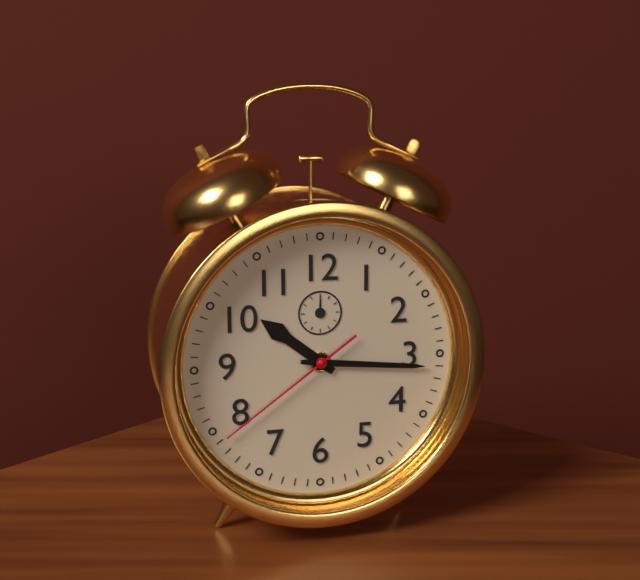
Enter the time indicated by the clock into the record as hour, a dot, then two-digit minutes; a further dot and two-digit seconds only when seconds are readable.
10.16.39
